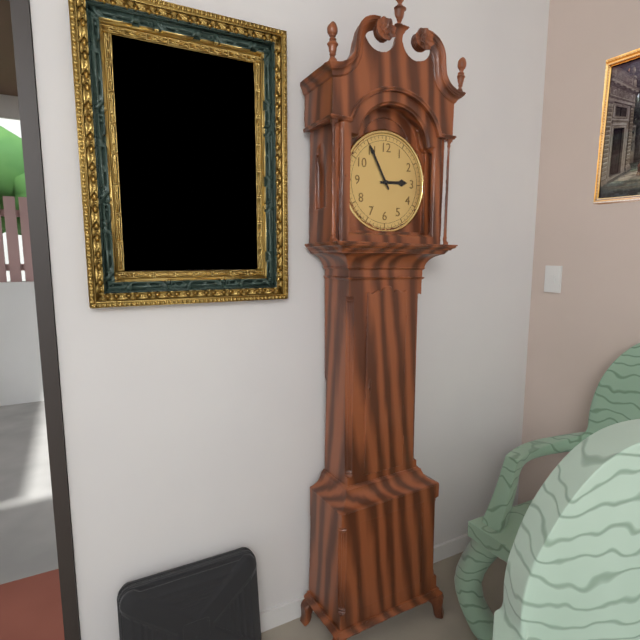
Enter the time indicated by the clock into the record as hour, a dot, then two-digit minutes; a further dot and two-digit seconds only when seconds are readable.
2.55
